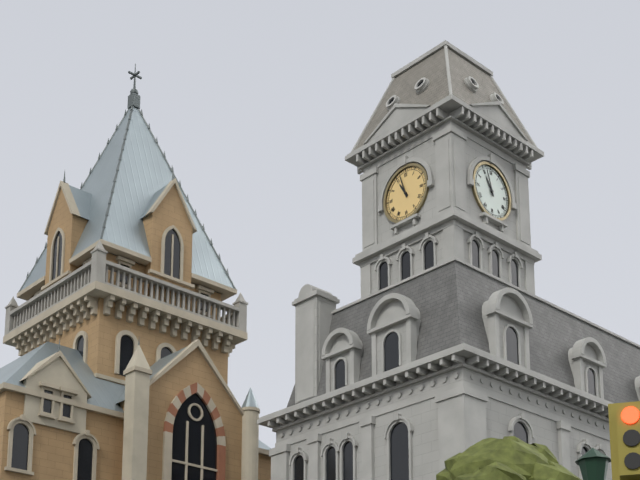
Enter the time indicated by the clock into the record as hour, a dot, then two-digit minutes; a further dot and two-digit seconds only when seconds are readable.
10.57
